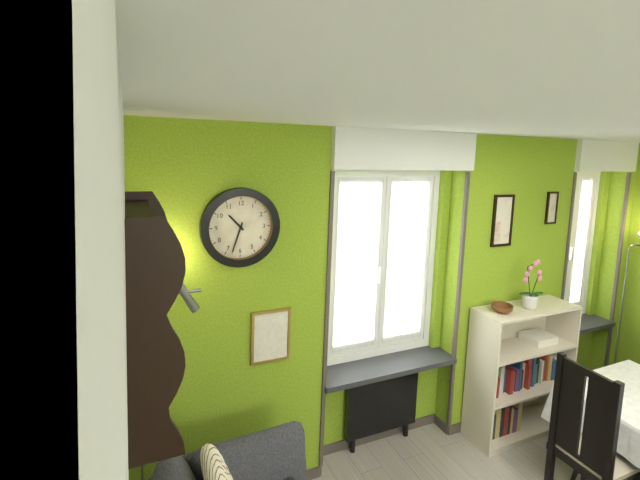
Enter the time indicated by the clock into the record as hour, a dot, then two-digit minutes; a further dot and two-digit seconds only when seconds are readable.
10.33
